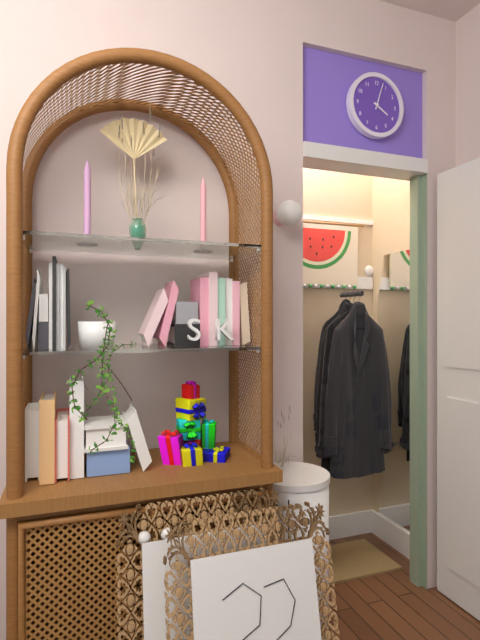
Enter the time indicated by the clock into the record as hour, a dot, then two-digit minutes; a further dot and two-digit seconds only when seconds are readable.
4.03
